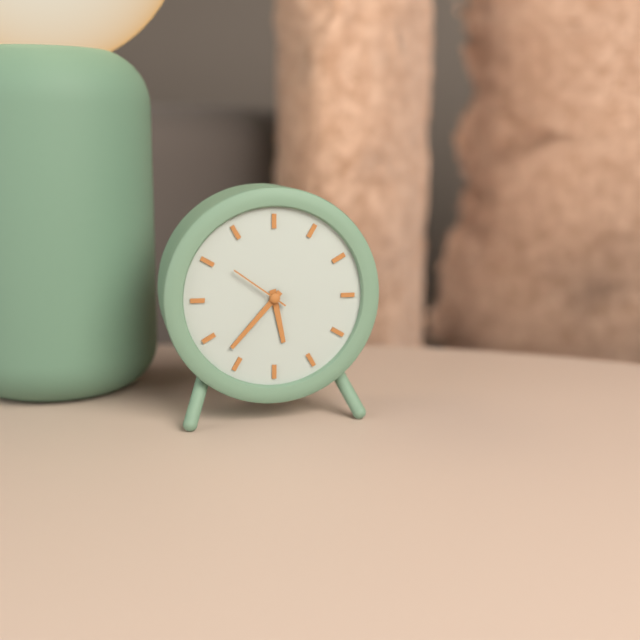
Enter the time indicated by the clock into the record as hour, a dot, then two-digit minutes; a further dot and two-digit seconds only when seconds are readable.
5.37.51
